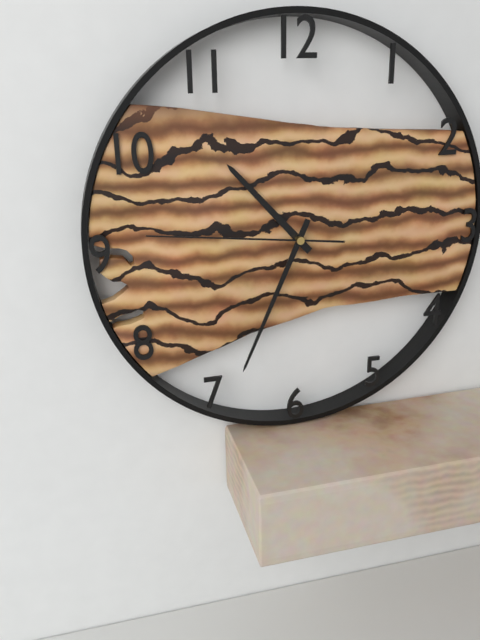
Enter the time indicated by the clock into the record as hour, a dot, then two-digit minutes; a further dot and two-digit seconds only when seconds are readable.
10.34.46
